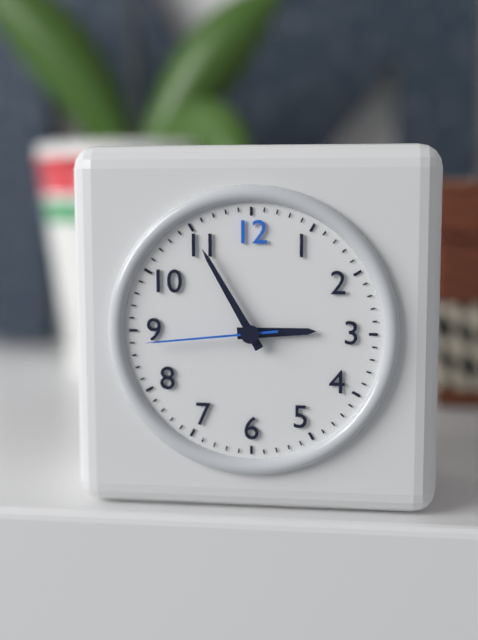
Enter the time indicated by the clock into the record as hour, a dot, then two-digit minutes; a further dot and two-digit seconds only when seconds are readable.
2.55.44
